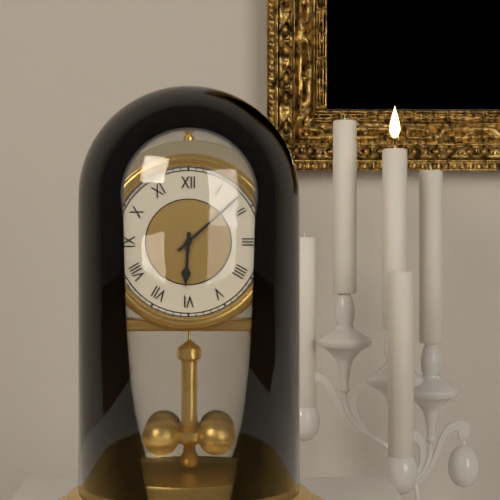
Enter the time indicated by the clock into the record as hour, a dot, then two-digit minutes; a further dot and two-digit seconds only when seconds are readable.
6.08
